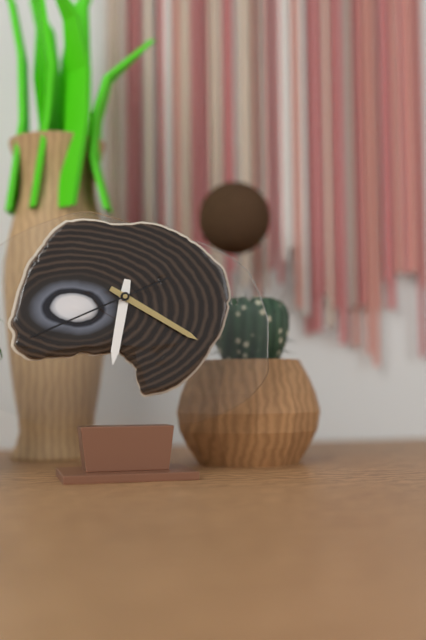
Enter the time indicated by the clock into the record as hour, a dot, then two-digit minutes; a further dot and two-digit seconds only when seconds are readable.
6.20.41
